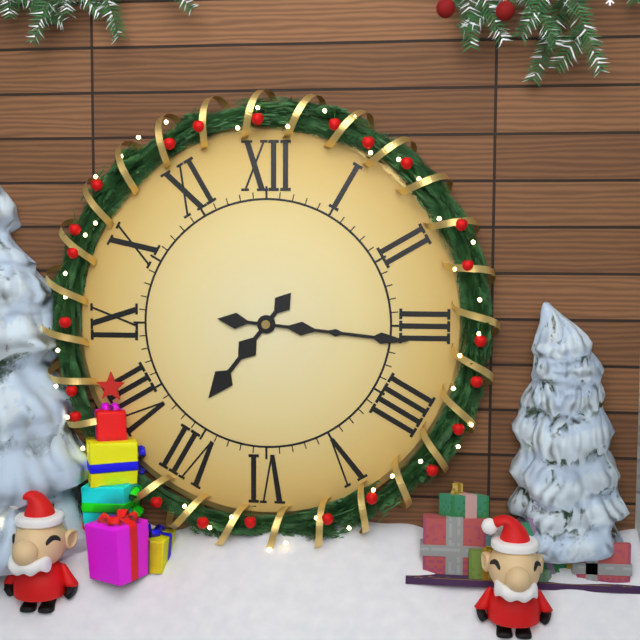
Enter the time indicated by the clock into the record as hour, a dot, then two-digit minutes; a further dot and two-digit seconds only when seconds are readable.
7.16
